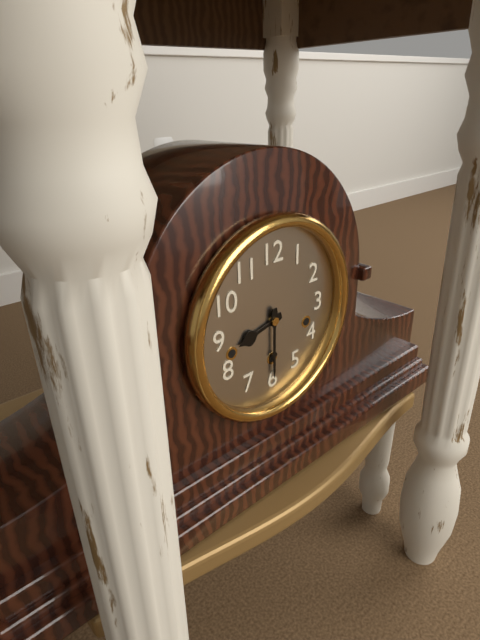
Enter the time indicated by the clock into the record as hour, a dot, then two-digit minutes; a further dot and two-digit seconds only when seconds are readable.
8.30
